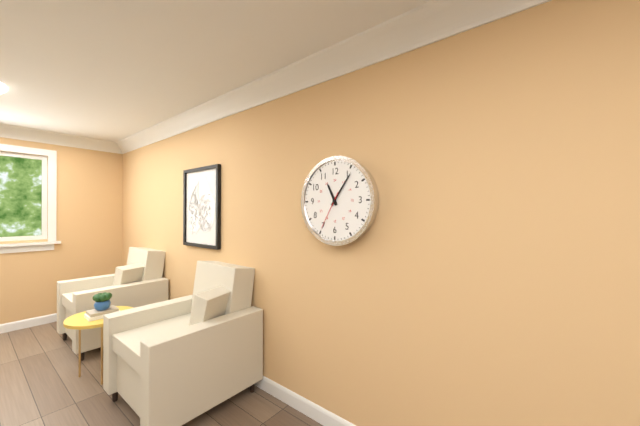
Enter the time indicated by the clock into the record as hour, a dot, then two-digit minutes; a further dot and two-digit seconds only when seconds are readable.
11.06
